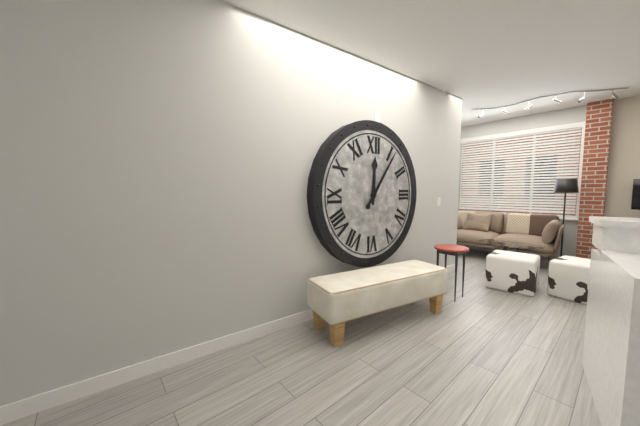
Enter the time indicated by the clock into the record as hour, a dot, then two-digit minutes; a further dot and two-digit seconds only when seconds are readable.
12.06
